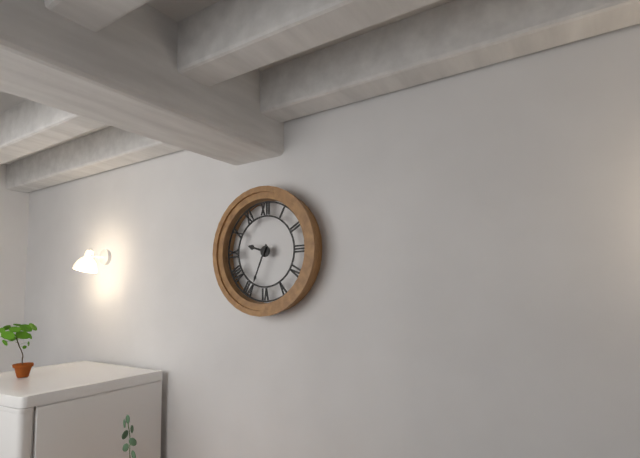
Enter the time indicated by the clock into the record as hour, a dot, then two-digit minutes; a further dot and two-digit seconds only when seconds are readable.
9.34
